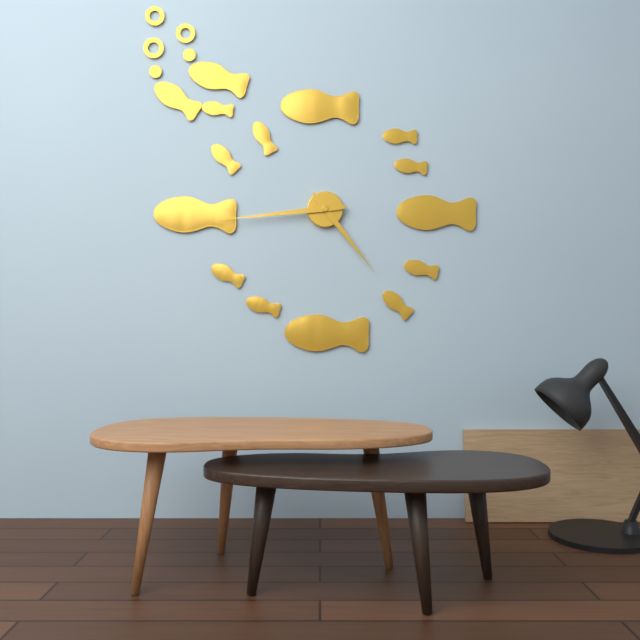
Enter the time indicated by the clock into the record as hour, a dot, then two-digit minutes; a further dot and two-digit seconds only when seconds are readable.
4.44
